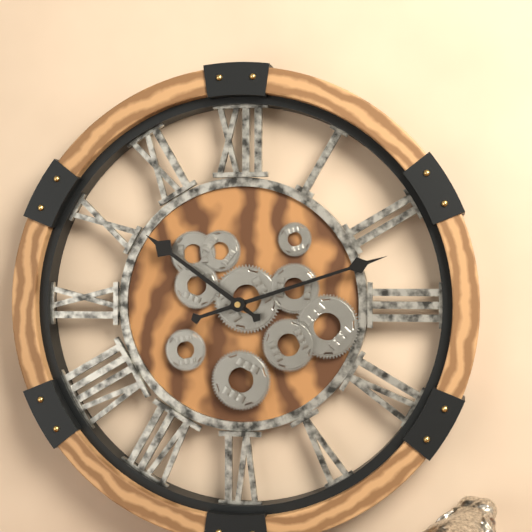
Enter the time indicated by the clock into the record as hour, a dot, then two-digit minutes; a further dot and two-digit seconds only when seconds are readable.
10.12
